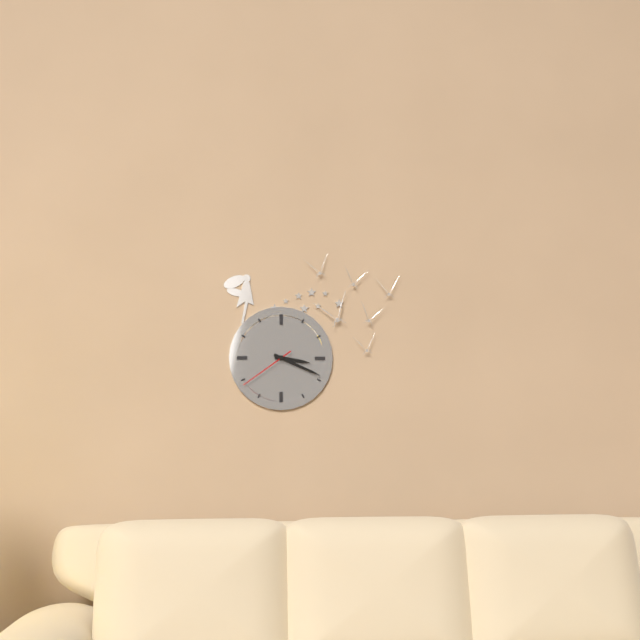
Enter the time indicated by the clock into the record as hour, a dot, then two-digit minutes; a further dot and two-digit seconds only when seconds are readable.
3.19.39
